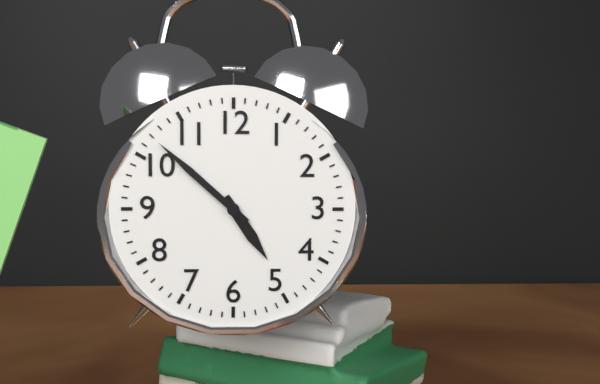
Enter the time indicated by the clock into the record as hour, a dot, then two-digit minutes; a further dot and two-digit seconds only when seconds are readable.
4.52
